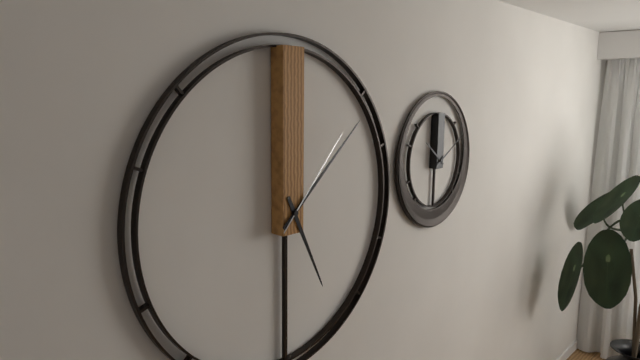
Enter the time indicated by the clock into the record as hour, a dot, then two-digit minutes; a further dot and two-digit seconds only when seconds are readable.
5.08.07
